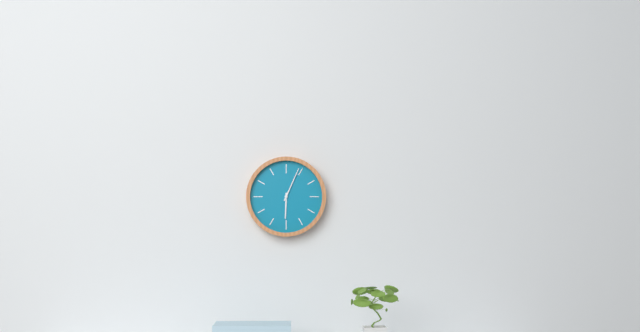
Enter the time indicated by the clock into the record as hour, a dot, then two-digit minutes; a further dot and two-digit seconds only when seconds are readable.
6.04
